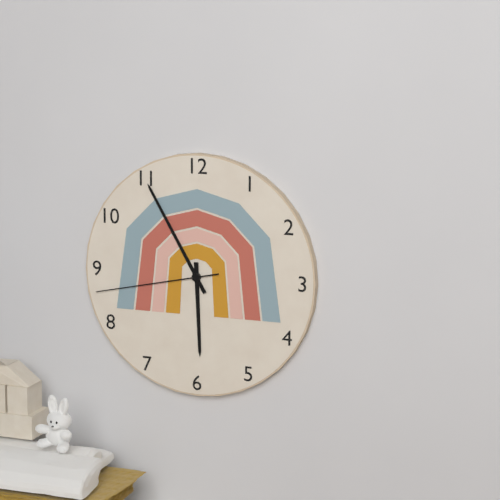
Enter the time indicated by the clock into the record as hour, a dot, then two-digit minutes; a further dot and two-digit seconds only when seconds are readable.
5.55.43
